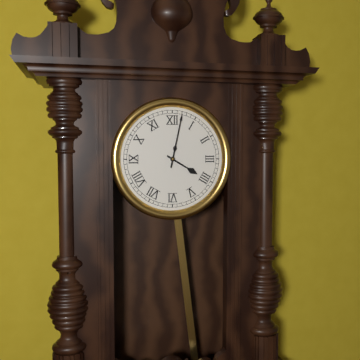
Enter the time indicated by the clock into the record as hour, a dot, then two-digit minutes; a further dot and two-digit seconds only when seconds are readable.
4.02
